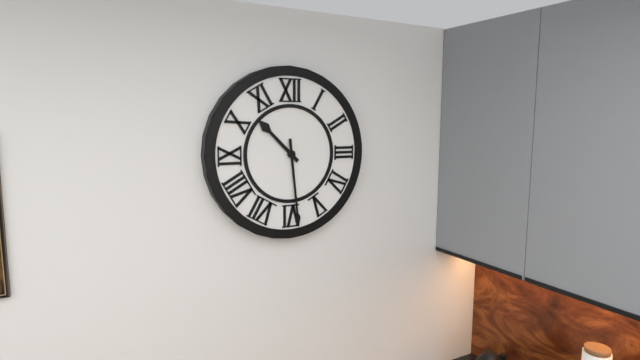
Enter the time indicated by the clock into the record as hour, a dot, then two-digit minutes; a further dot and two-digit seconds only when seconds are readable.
10.29
